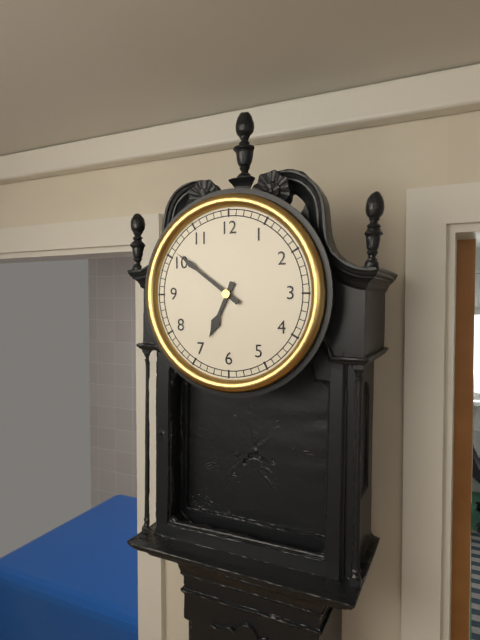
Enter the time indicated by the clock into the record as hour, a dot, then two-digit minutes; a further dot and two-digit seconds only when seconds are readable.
6.51
